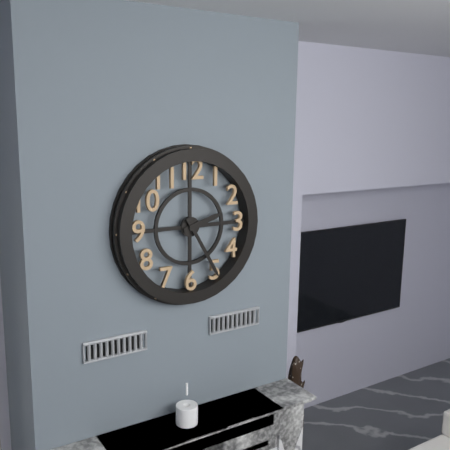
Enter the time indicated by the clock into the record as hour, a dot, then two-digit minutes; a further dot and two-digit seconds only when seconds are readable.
2.25
